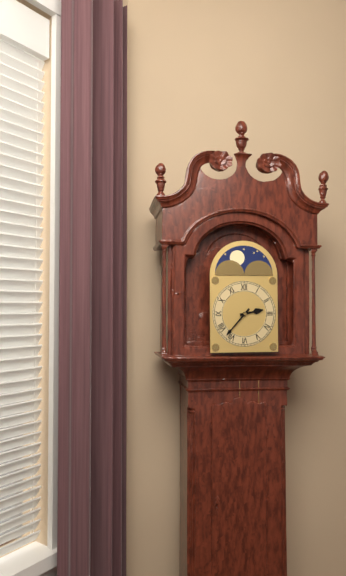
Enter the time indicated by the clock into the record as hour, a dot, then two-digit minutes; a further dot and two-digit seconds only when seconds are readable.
2.37
